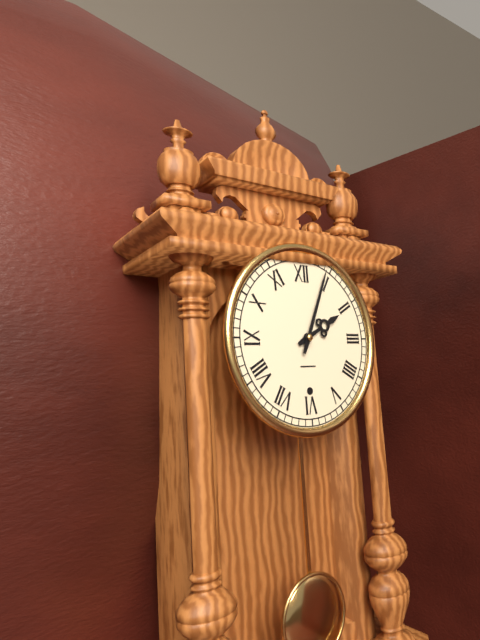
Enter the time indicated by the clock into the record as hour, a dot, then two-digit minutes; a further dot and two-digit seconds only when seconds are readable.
2.04
